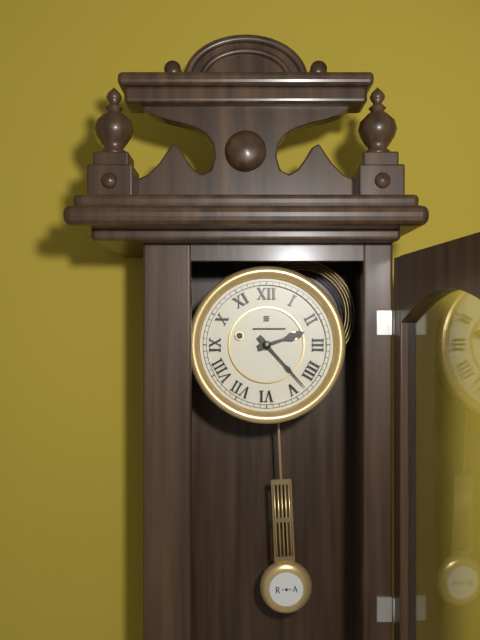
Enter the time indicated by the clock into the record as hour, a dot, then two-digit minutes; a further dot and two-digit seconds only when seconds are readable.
2.23
